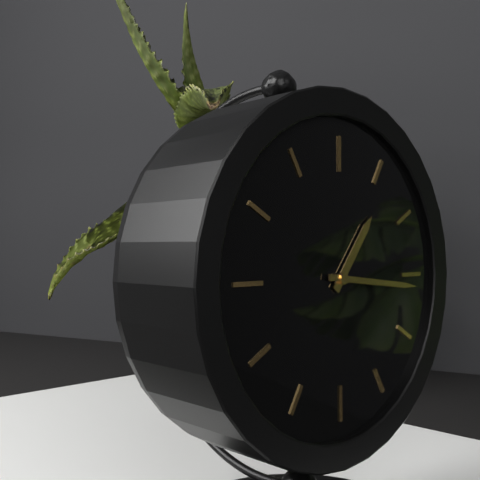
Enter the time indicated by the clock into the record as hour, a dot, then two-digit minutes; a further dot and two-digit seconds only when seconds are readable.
1.16
